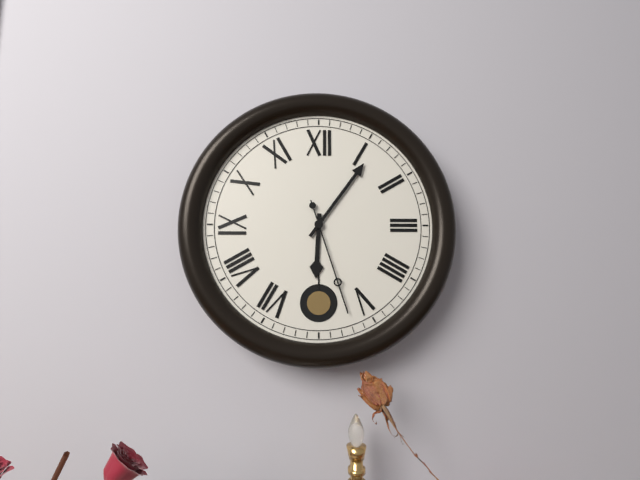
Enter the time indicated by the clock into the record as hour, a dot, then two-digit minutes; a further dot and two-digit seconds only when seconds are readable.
6.06.27
